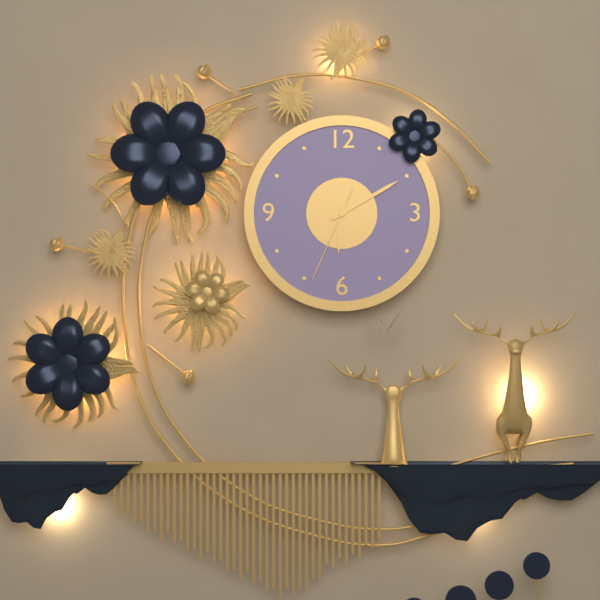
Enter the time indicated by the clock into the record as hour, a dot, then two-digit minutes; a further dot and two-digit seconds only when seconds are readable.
6.10.34
